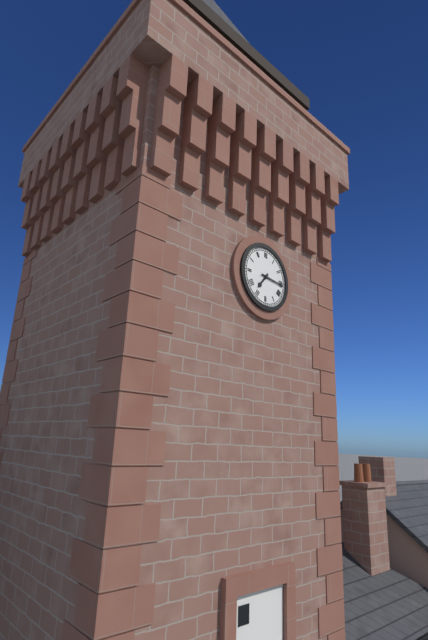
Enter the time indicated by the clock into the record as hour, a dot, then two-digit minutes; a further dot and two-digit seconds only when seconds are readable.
7.16
